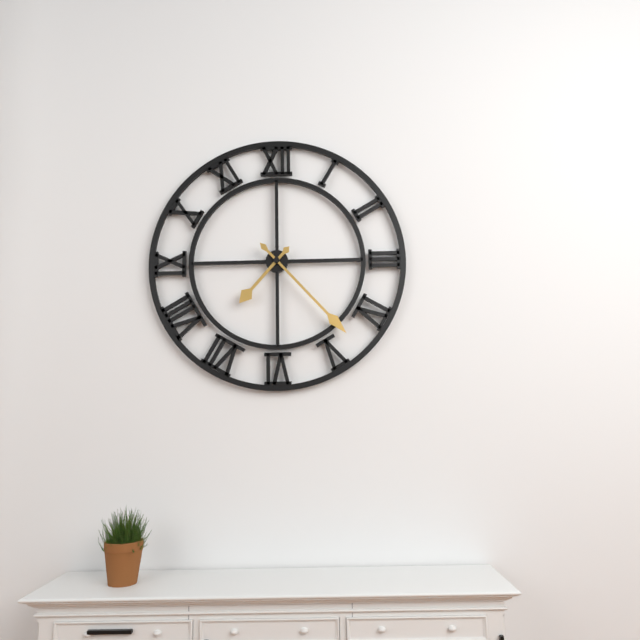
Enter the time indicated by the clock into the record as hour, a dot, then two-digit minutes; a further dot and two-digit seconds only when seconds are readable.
7.23
